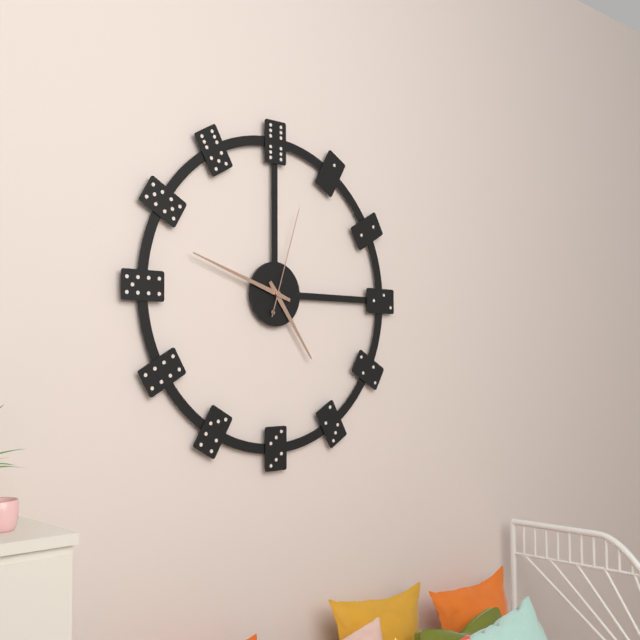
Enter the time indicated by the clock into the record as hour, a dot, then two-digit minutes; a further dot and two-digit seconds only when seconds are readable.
4.48.03
